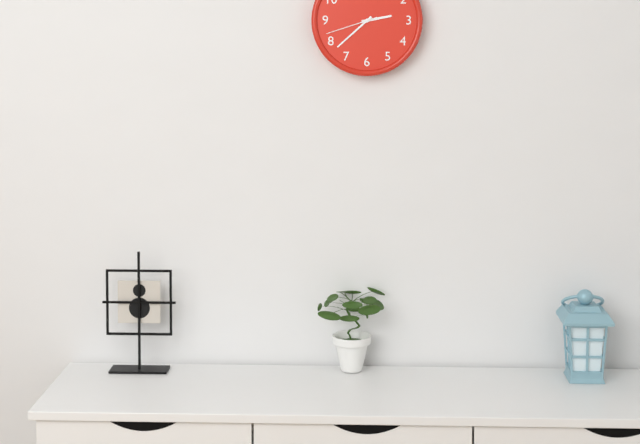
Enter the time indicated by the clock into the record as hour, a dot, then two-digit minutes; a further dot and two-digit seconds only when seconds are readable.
2.38.42
